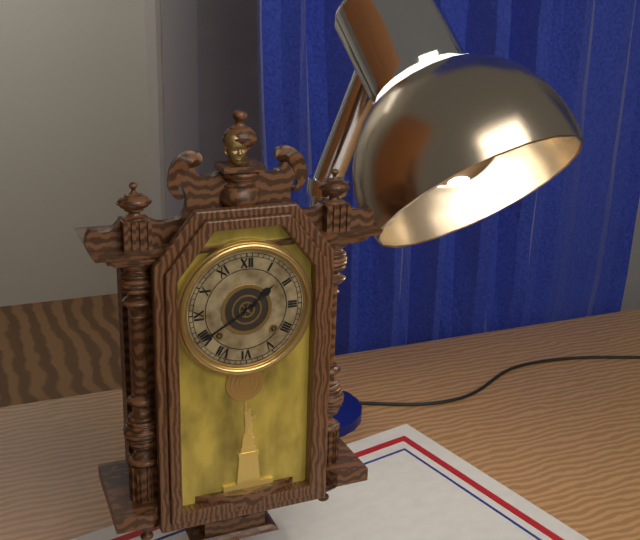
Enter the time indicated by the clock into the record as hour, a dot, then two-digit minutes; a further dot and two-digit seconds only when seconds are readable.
1.40
